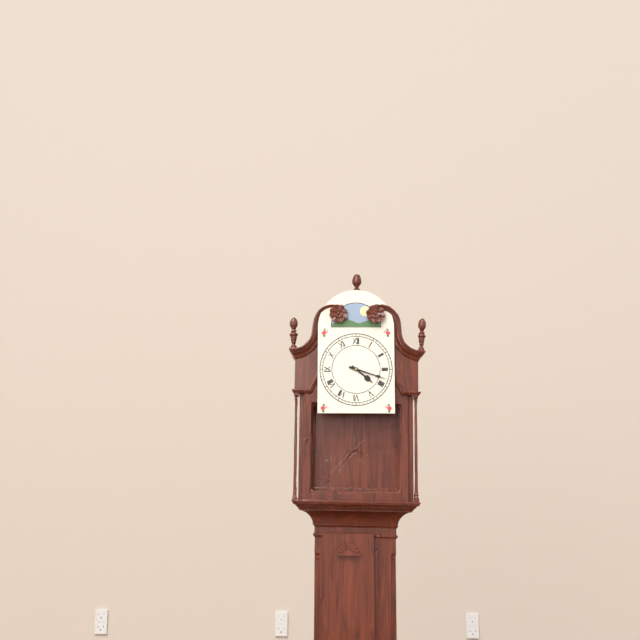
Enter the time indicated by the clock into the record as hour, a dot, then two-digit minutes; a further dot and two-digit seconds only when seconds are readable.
4.18
